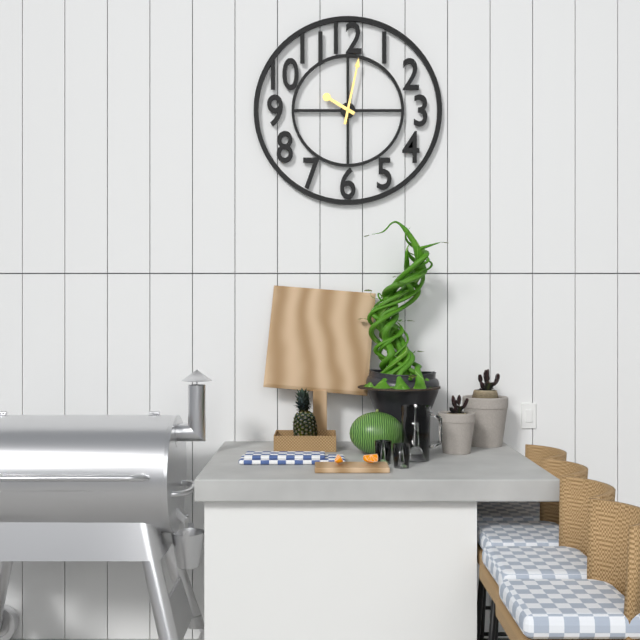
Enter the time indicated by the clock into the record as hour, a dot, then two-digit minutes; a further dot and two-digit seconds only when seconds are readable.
10.02
